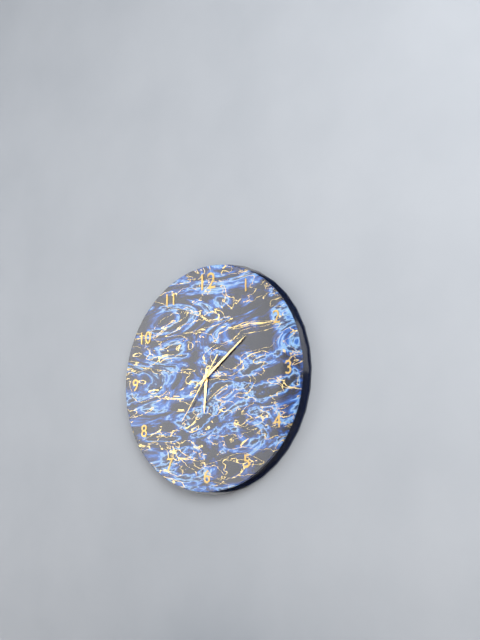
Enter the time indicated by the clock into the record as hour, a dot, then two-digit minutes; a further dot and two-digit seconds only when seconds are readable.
6.09.36
